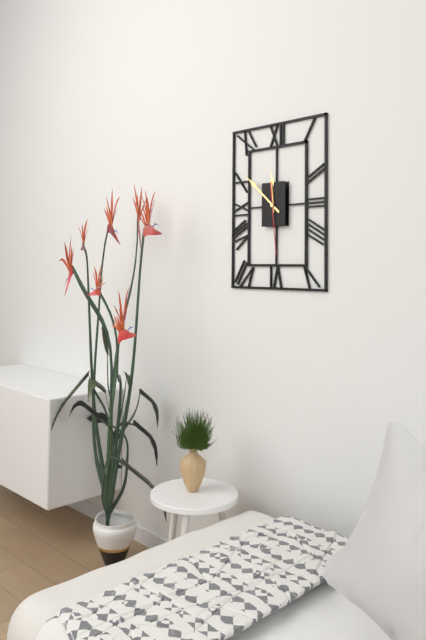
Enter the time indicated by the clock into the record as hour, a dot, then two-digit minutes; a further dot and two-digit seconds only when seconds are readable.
11.52.29
